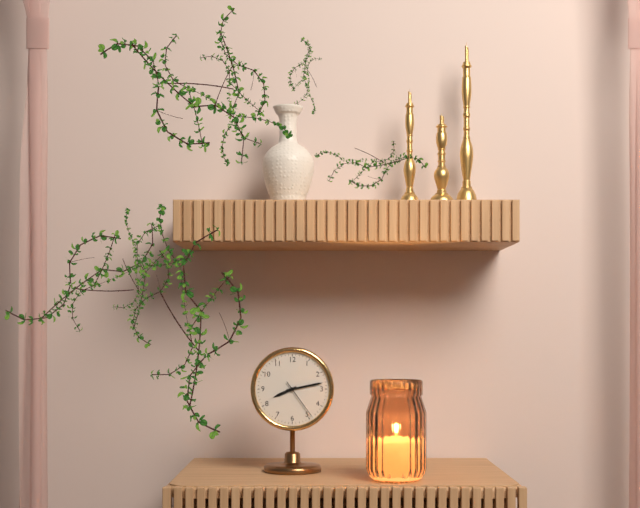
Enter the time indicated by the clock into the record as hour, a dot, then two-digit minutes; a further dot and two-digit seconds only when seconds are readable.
8.13
